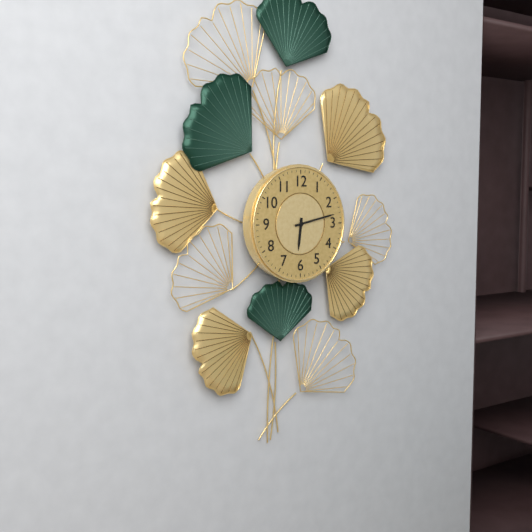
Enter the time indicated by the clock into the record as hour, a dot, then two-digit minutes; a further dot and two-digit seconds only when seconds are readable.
6.13
